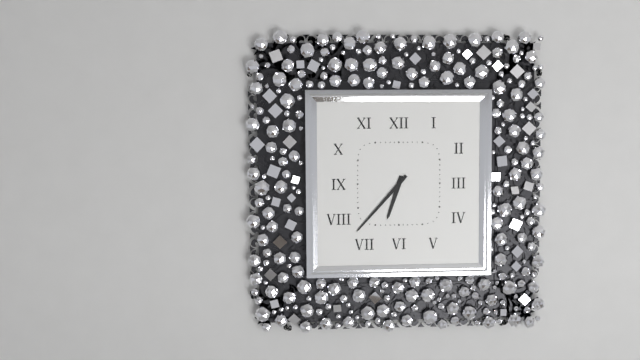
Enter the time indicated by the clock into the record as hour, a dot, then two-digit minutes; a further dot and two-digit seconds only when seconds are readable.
6.37
